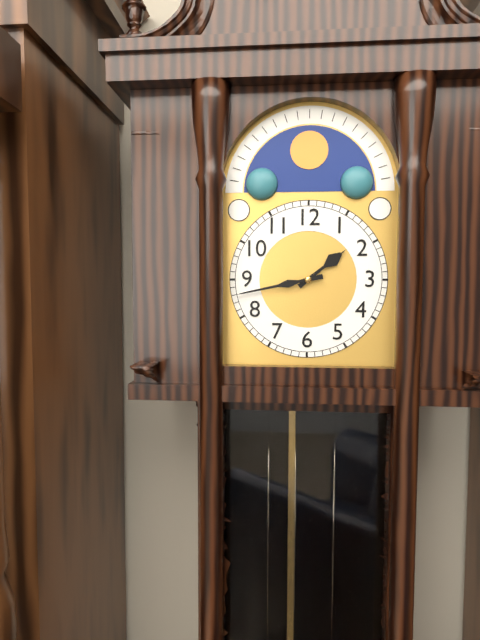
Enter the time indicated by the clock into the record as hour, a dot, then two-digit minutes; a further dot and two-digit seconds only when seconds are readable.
1.43
